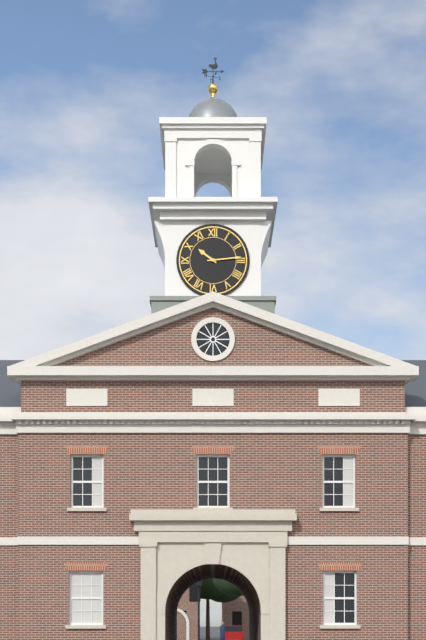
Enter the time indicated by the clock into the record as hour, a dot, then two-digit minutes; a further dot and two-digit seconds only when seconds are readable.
10.14
